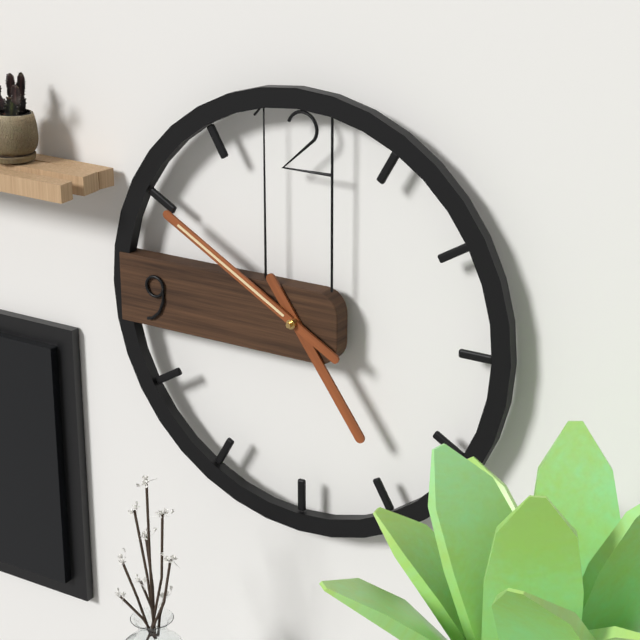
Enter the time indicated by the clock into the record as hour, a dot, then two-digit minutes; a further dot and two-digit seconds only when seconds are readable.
4.50
